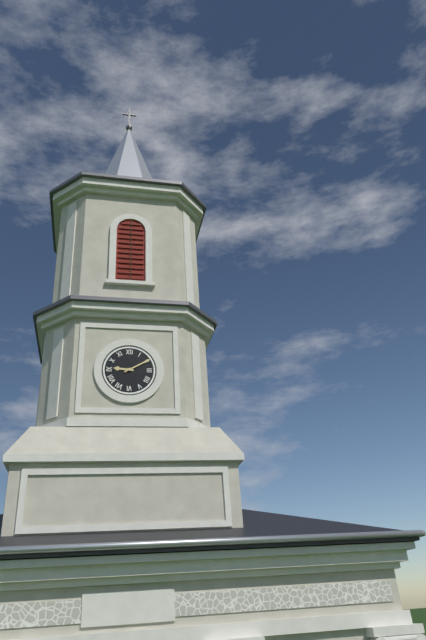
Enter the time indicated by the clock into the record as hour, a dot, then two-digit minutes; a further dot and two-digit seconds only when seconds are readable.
9.10
